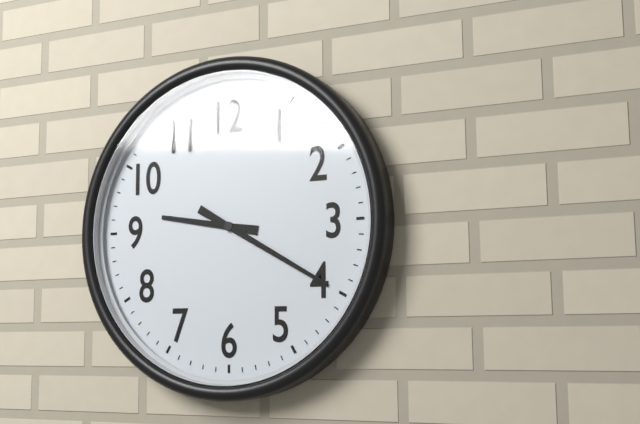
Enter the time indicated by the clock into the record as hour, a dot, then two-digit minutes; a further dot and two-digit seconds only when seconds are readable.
9.20
